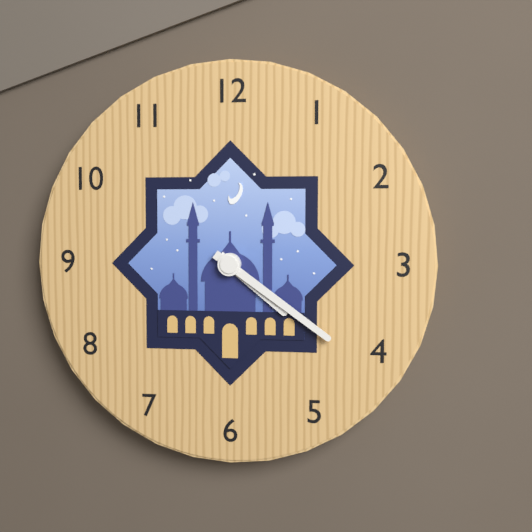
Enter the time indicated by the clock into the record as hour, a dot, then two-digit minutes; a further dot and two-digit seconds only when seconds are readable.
4.21
